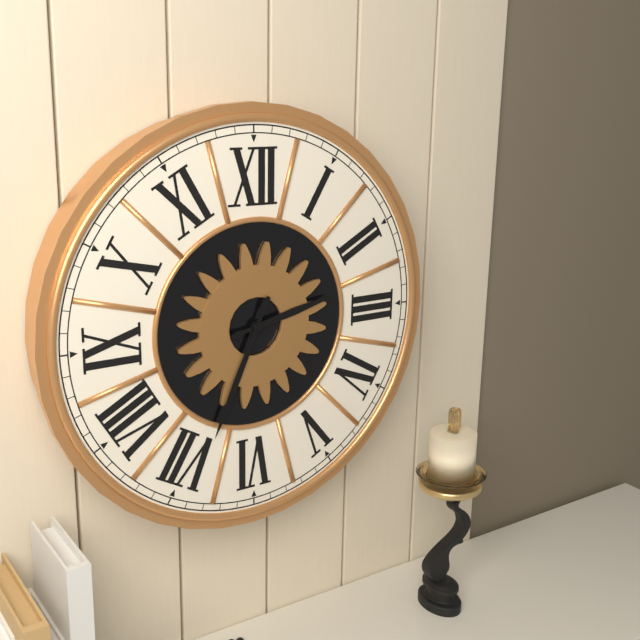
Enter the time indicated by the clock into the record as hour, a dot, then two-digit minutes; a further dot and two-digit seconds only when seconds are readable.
2.34
